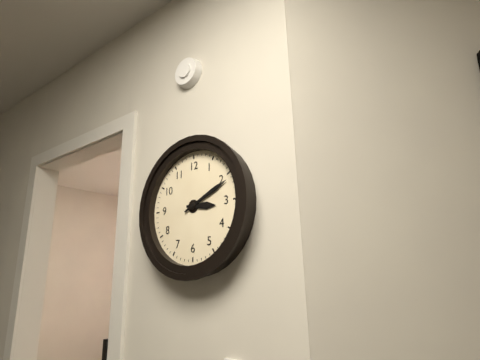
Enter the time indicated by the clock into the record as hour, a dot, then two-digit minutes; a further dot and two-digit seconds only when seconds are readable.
3.11
